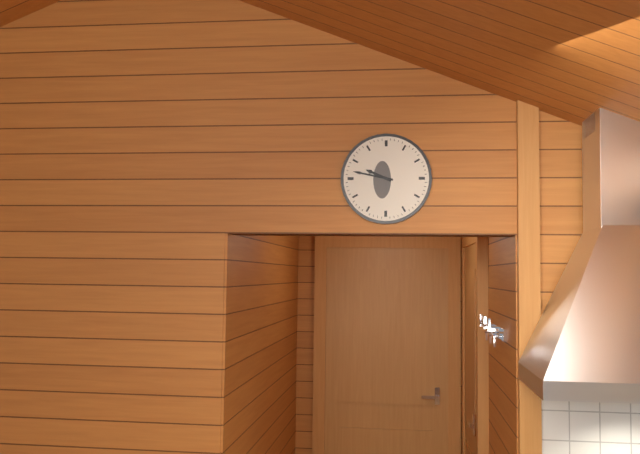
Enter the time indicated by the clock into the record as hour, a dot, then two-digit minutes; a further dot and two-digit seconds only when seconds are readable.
9.47
